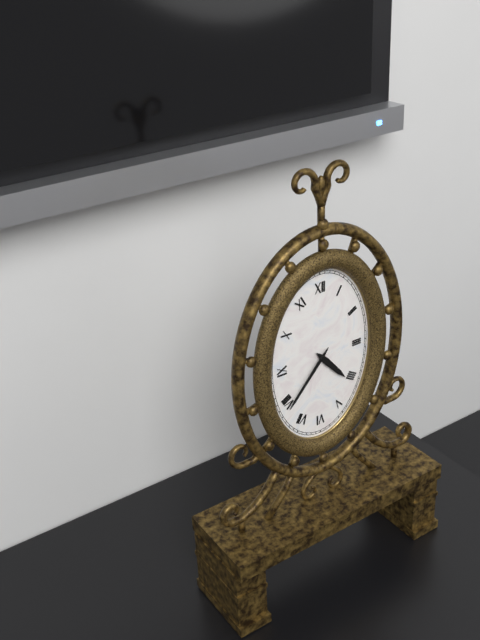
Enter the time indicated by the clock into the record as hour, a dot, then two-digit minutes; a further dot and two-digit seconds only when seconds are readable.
4.37
